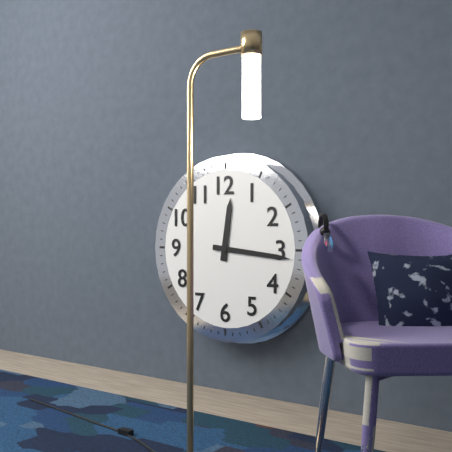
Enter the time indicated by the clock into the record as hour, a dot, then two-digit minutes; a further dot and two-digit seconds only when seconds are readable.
12.16
